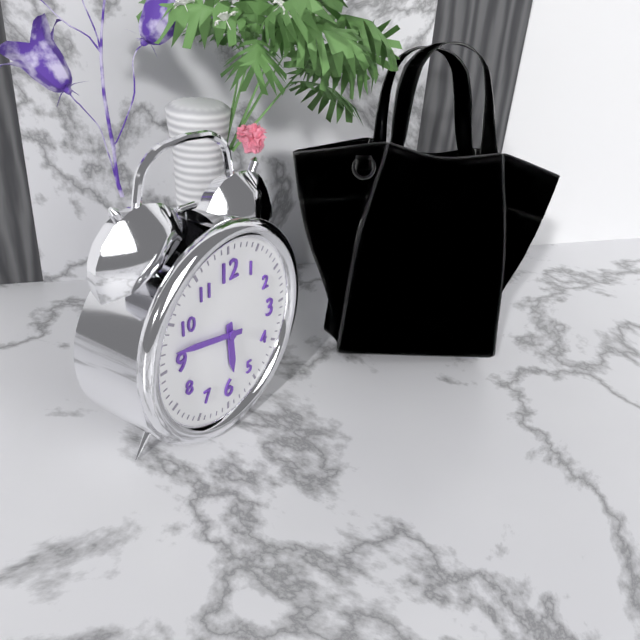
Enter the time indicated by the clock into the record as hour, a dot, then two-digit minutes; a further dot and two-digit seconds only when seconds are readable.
5.47
